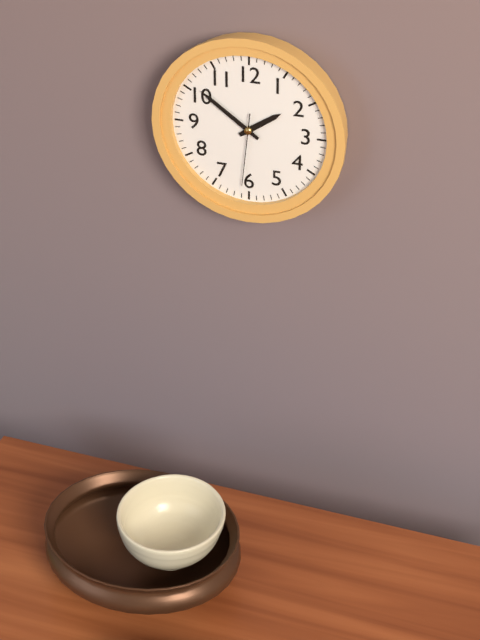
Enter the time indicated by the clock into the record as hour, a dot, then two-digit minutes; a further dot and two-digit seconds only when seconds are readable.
1.51.31
